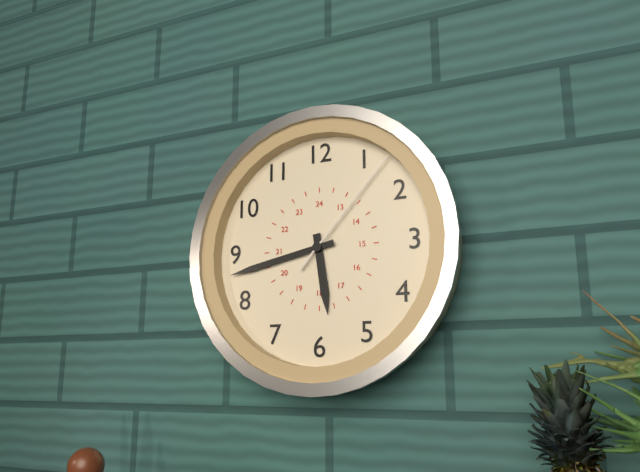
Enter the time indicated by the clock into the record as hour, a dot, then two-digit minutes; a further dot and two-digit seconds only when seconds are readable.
5.43.07
